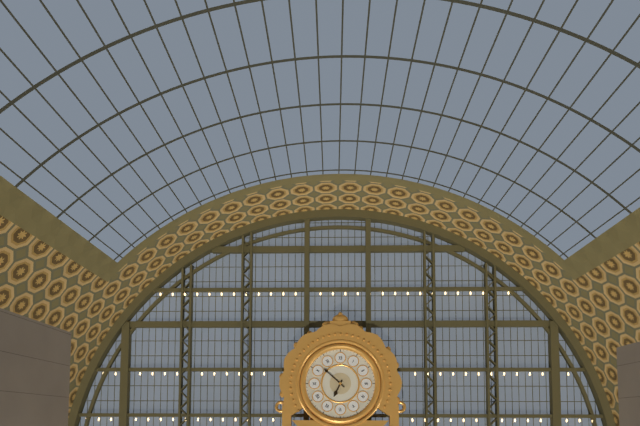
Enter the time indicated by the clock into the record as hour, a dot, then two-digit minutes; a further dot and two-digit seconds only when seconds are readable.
6.52
